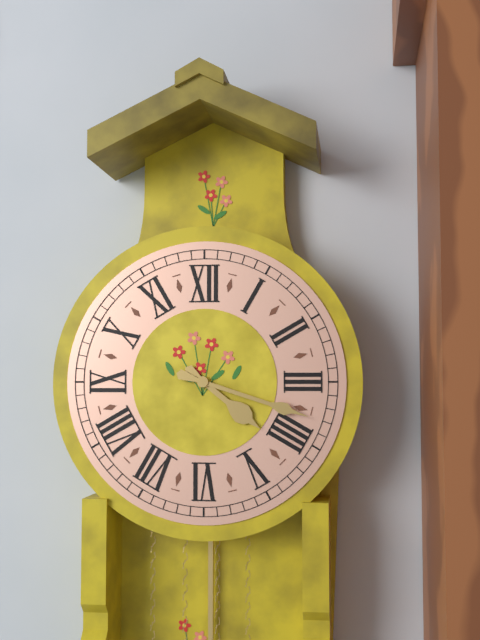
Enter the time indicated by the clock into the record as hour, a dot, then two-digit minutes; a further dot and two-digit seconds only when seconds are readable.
4.18
